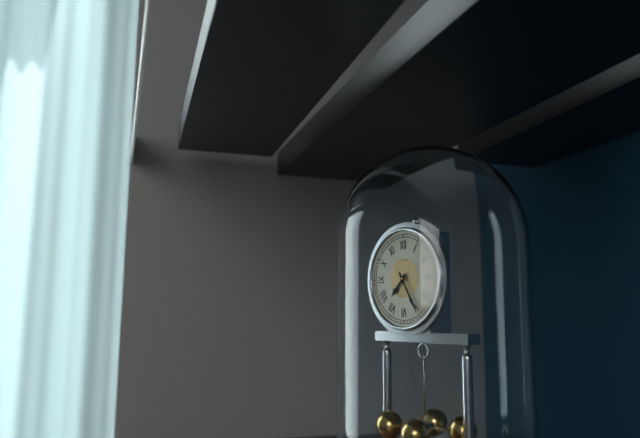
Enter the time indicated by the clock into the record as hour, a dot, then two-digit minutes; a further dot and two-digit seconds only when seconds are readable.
7.25
